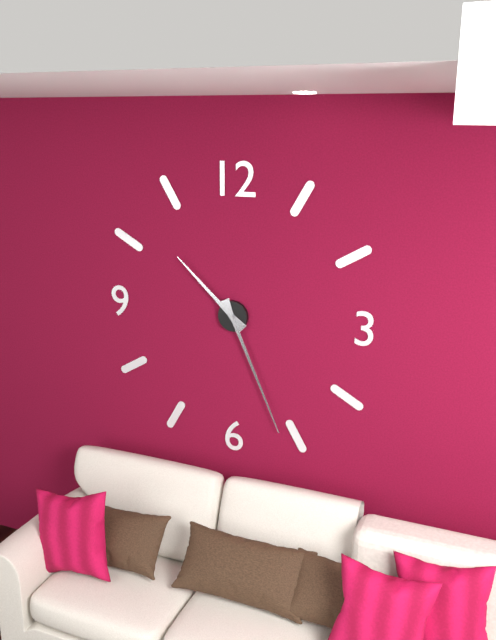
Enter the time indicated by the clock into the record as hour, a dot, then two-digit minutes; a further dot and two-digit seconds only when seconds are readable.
10.26
